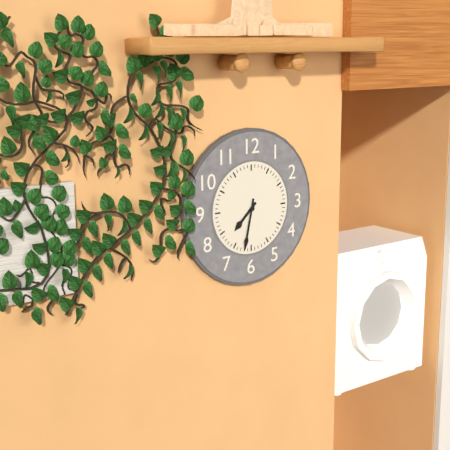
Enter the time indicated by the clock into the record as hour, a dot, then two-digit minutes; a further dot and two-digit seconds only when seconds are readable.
7.32
